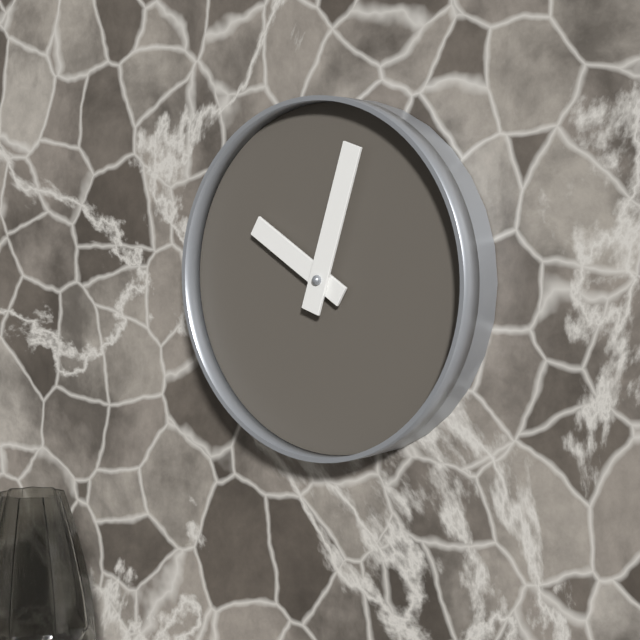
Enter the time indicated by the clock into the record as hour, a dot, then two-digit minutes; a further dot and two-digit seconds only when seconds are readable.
10.03
